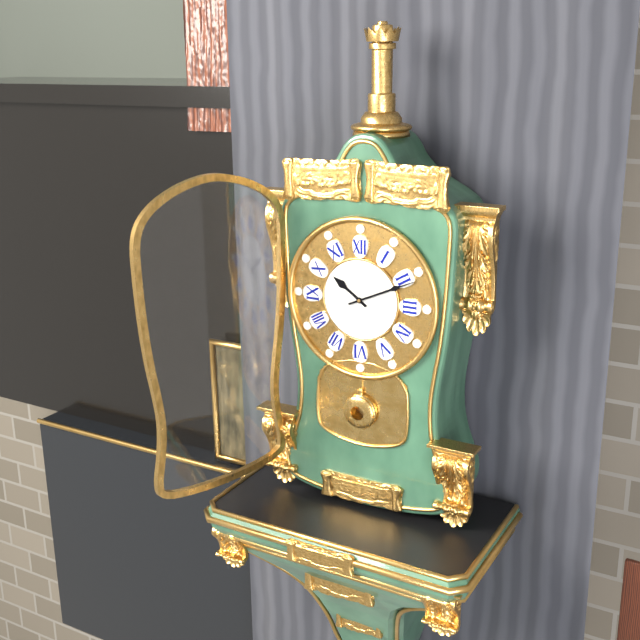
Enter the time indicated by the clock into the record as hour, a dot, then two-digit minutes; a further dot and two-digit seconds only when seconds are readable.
10.11
